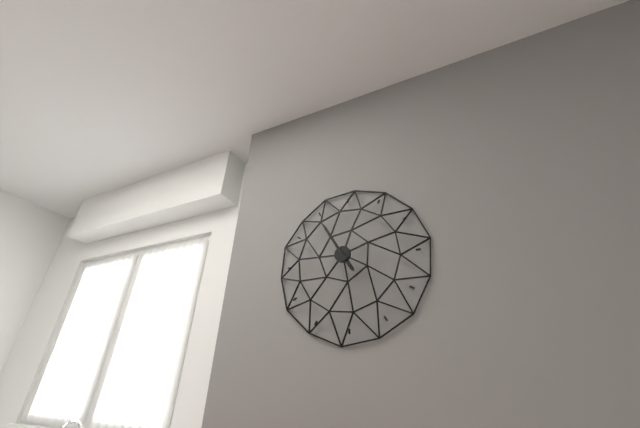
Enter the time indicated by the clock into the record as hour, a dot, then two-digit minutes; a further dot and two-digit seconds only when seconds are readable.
4.55
